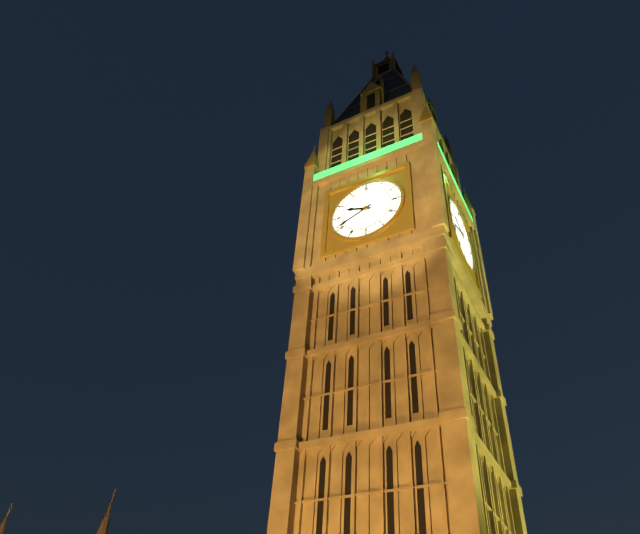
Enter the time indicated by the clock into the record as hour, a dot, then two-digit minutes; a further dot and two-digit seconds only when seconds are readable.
9.41
